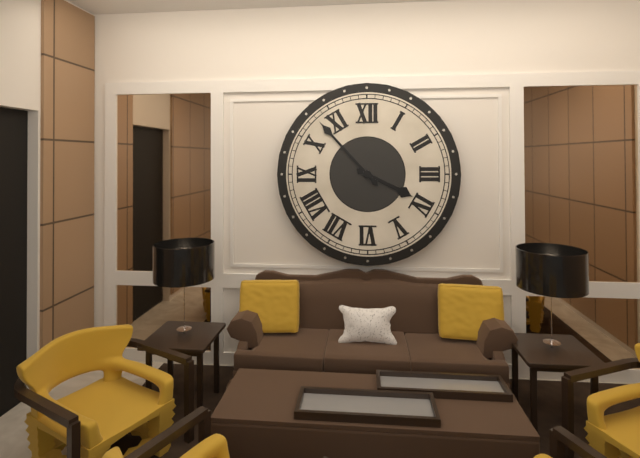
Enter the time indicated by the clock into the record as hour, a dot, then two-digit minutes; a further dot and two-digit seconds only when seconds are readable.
3.53
